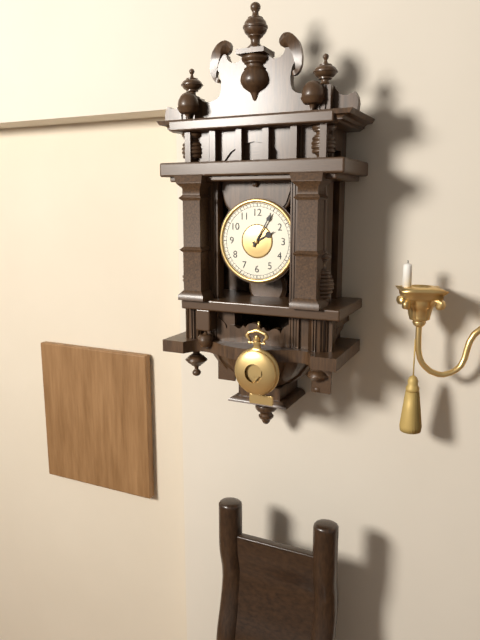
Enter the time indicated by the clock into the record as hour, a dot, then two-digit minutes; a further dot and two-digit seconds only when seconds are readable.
2.05
